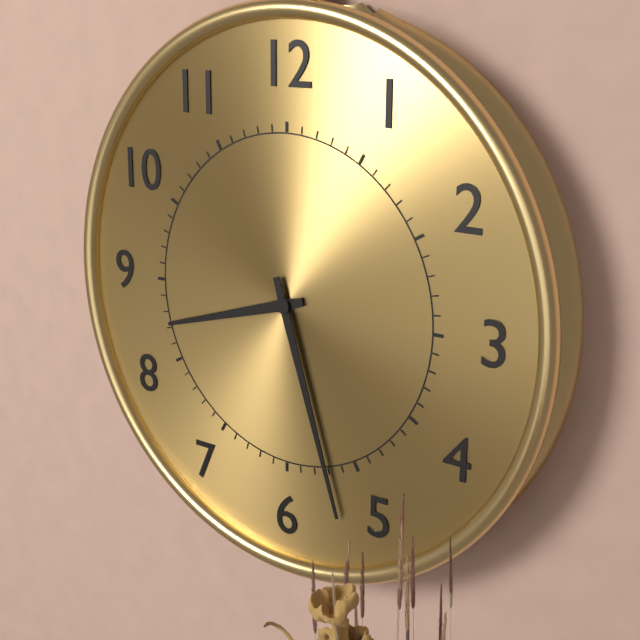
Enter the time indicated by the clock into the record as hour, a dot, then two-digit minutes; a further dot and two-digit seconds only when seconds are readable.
8.27
